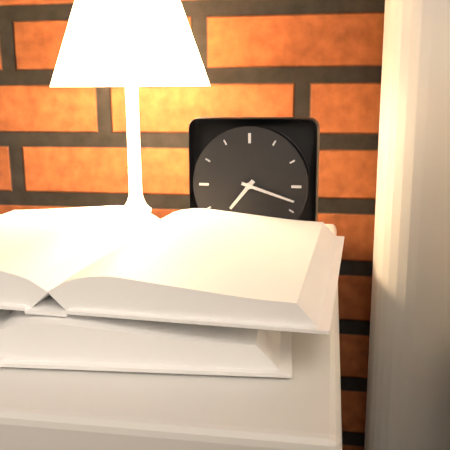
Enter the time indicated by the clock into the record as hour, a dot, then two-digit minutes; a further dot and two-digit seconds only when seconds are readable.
7.18
